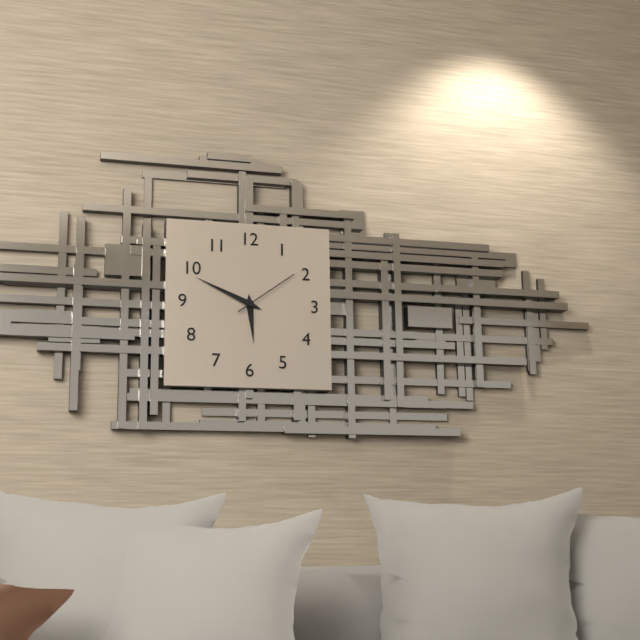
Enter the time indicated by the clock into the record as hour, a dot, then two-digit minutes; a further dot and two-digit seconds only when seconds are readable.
5.49.09
